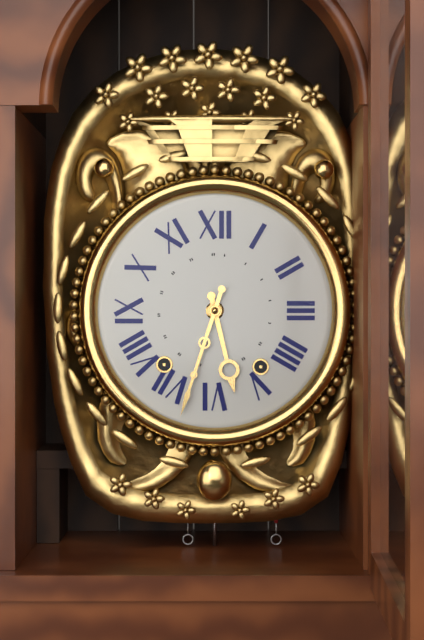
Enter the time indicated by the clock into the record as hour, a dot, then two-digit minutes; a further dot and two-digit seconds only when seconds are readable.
5.33
